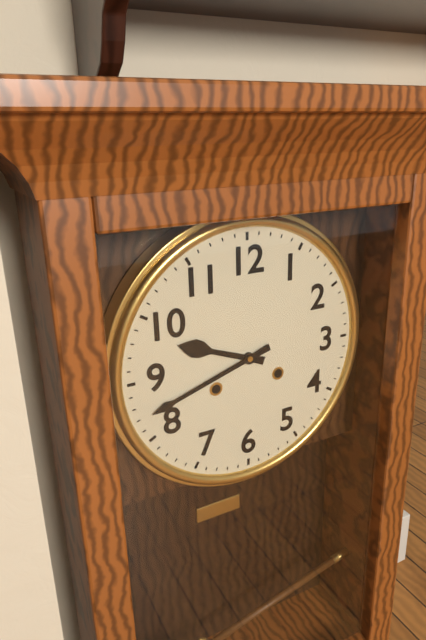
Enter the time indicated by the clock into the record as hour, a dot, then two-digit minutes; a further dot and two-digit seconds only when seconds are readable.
9.42
